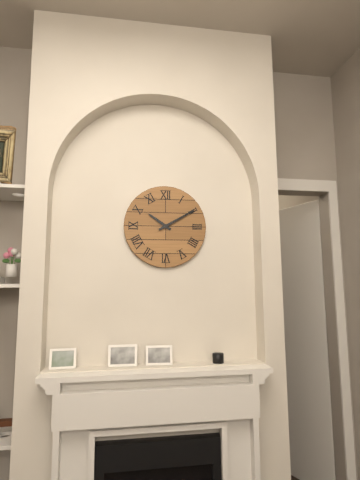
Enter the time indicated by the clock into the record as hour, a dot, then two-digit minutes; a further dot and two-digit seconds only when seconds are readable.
10.10
